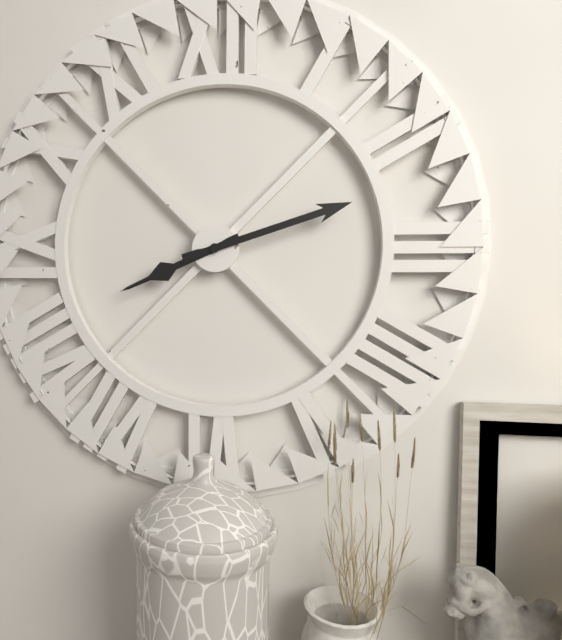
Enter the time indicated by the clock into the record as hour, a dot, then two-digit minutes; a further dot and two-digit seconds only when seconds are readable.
8.12
